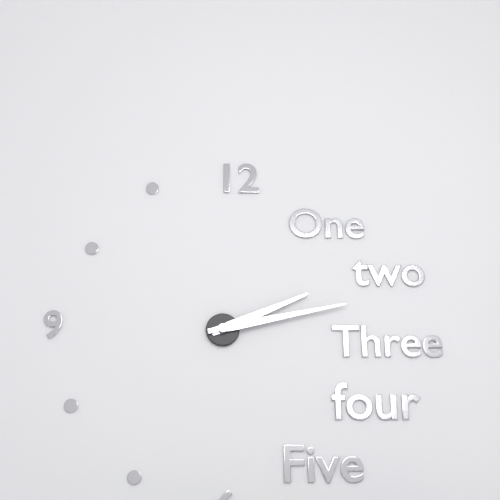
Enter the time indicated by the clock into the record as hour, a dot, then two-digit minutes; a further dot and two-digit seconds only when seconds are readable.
2.13
